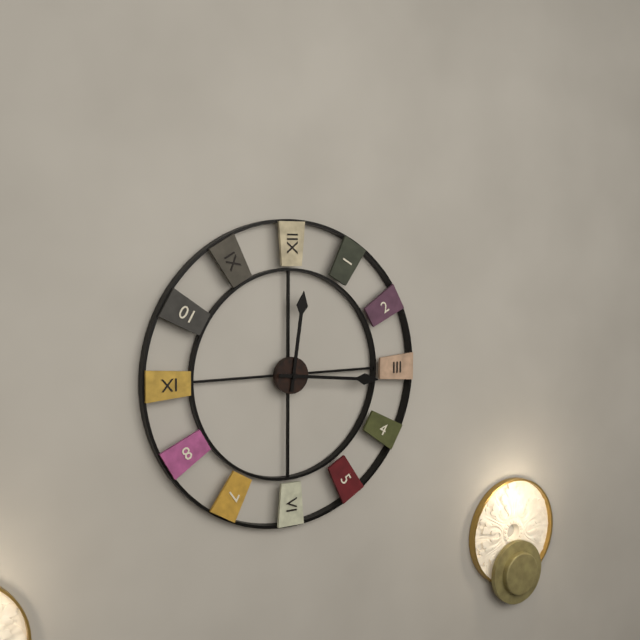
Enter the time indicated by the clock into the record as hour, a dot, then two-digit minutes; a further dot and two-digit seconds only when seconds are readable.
12.16
